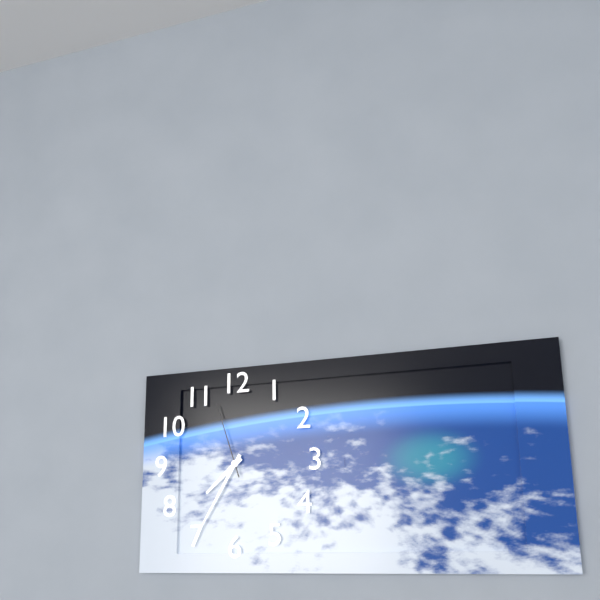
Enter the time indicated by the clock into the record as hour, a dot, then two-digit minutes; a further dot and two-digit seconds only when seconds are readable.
7.35.57
